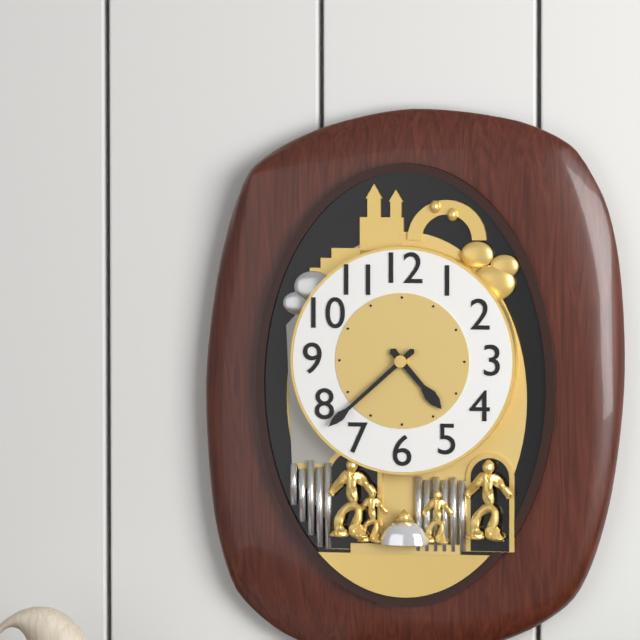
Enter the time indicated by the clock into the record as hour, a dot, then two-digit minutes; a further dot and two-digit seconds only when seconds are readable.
4.38
